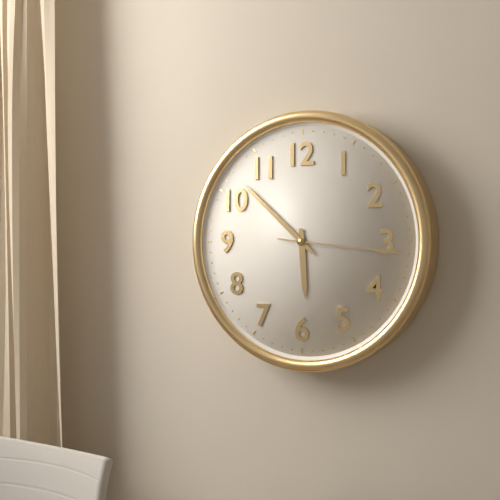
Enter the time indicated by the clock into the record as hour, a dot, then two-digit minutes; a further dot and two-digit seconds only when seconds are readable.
5.52.16
